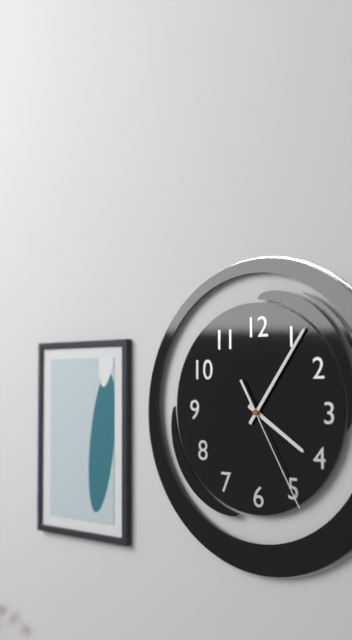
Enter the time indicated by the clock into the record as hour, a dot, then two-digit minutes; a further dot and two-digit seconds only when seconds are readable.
4.06.25
